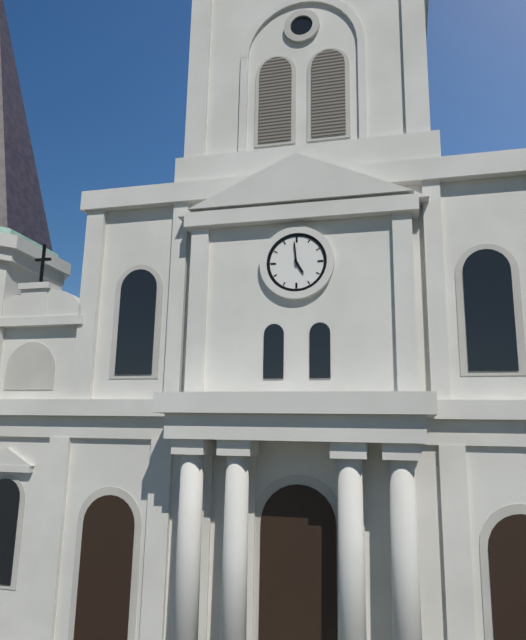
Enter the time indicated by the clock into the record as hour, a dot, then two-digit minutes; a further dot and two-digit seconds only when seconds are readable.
4.59
